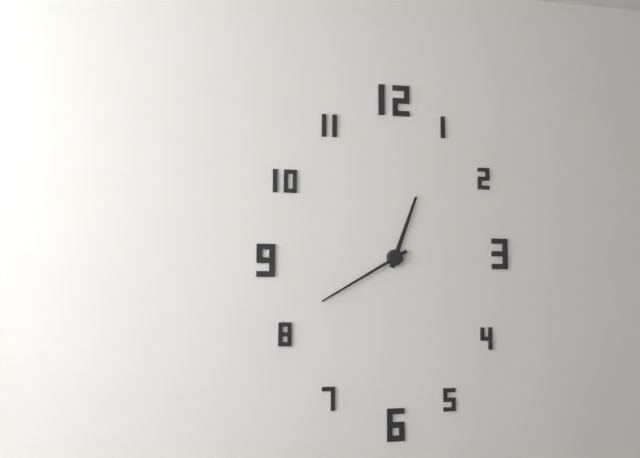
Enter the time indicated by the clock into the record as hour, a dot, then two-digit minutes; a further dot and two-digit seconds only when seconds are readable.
12.40
